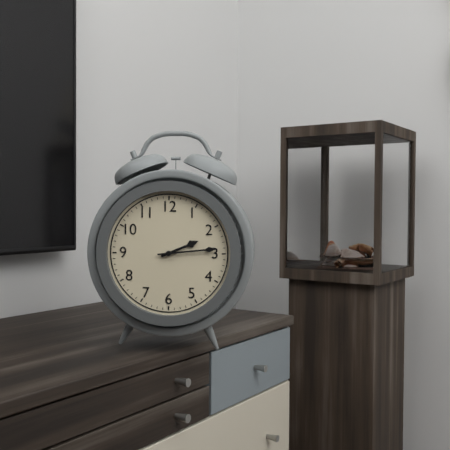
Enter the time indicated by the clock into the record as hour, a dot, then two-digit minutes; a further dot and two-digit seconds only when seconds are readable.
2.14
